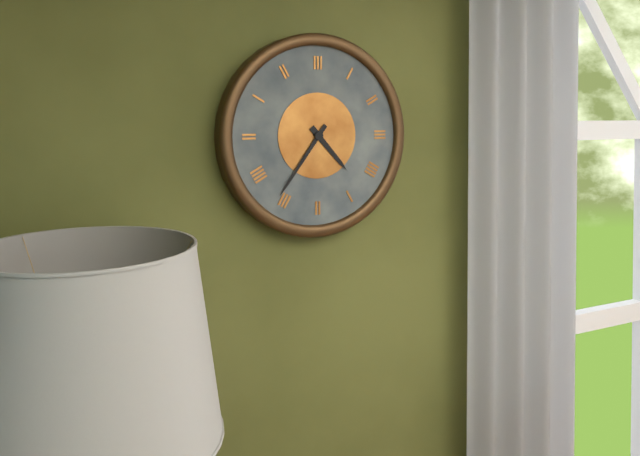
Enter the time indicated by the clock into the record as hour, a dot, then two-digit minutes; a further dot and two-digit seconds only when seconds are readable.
4.36
